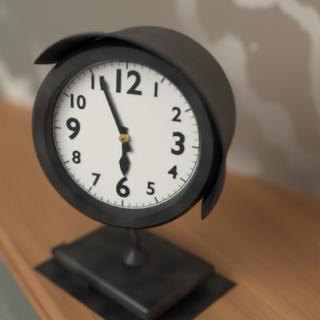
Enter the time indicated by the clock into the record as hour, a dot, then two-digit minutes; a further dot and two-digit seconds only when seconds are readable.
5.56
